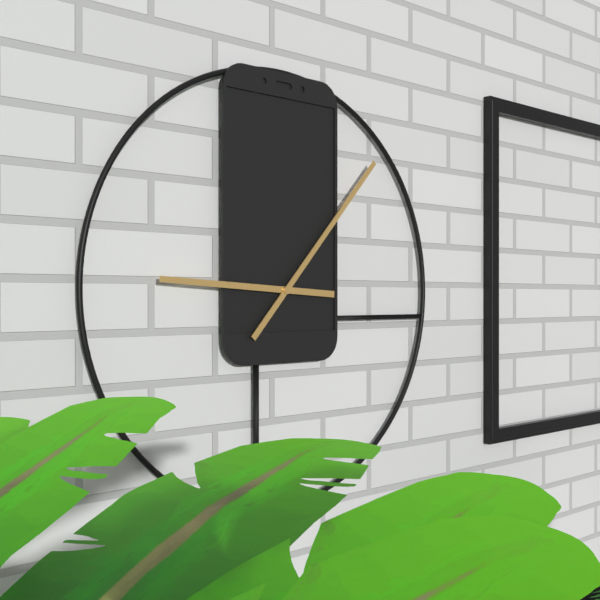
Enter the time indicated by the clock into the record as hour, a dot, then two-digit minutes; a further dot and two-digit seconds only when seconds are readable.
9.07
